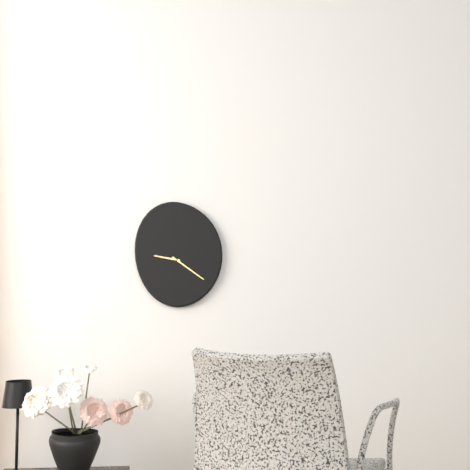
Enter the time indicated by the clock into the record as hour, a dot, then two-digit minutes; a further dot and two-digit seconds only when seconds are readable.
9.21
